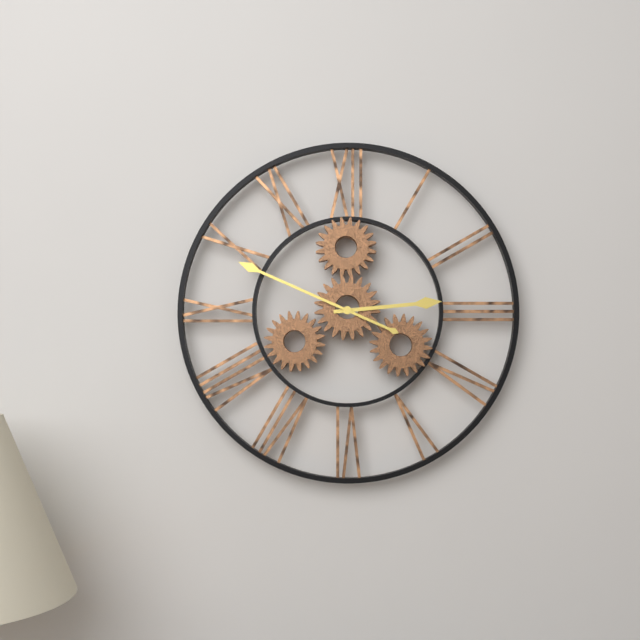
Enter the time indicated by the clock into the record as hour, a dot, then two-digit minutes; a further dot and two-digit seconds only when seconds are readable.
2.49
